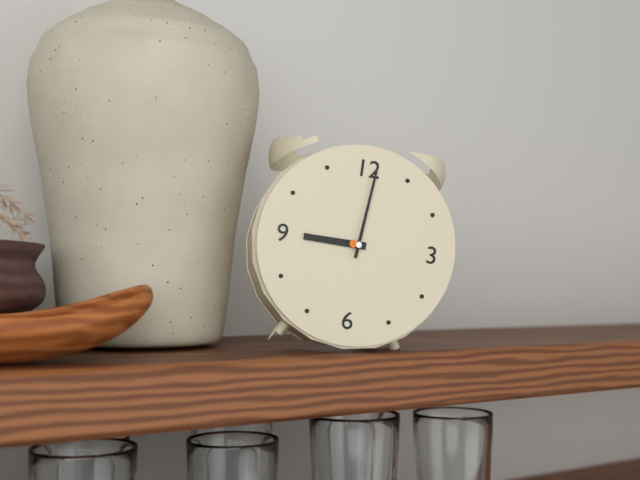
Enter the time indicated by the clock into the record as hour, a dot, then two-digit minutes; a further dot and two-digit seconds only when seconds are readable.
9.01
